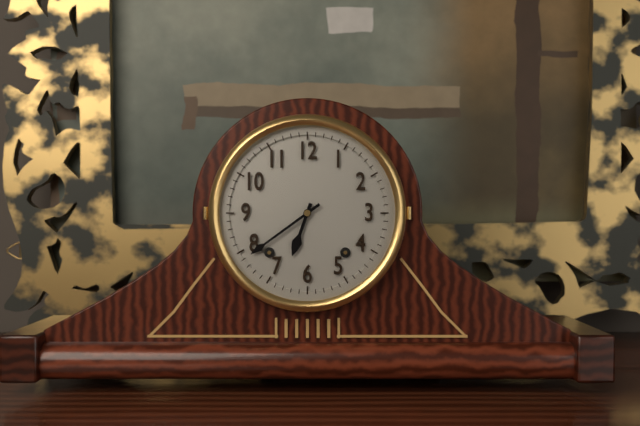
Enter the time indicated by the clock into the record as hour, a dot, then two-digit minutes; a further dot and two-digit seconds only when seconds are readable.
6.39
